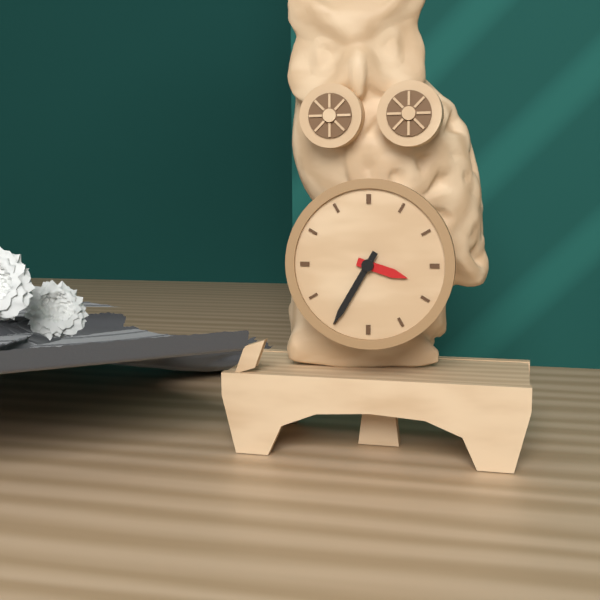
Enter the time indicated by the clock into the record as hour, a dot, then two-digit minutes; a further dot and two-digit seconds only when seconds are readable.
3.35
